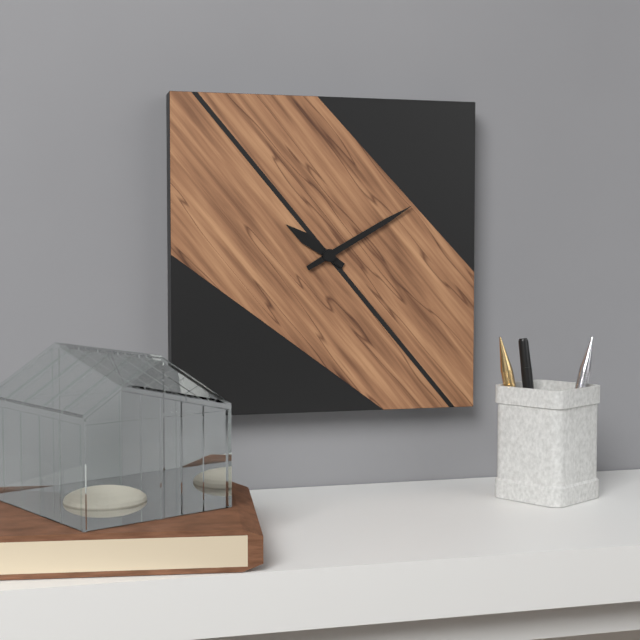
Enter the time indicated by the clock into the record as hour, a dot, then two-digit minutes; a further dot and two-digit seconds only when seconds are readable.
10.10
